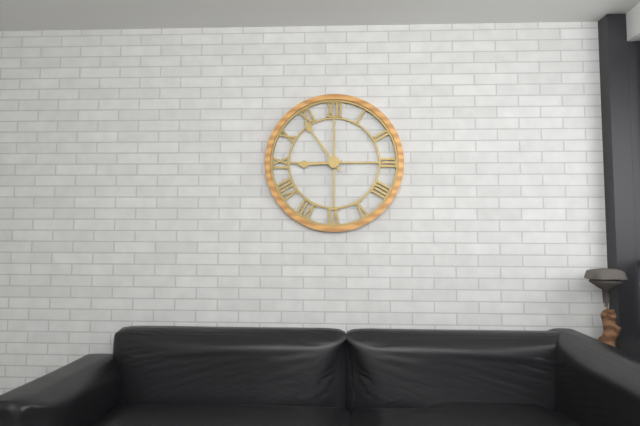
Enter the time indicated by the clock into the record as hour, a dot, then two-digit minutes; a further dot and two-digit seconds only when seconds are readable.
8.54
